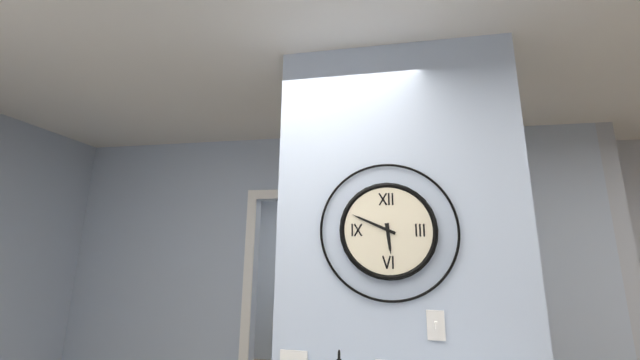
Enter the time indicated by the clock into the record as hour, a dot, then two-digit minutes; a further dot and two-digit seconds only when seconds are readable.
5.49
